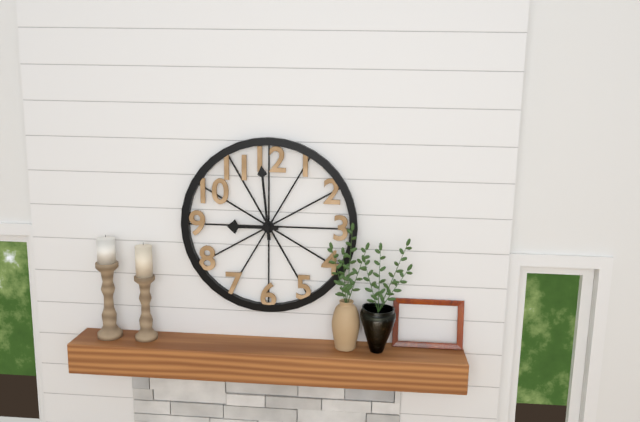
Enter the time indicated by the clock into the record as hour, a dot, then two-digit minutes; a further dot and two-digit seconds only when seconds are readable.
8.59
